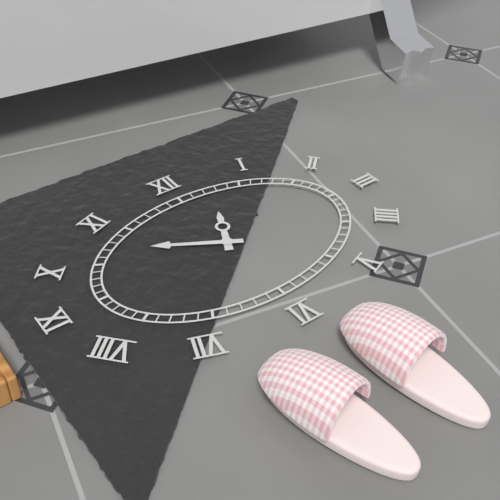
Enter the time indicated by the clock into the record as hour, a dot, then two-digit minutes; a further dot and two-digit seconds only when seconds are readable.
12.50
